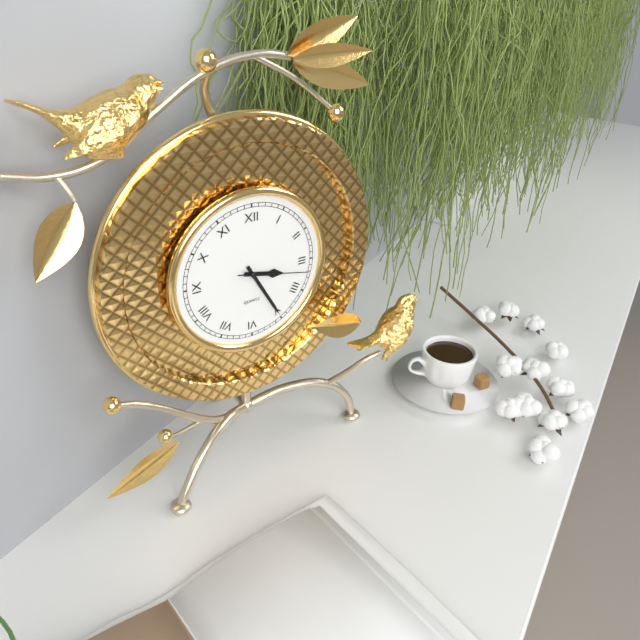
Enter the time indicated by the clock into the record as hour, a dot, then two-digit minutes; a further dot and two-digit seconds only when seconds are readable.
3.25.17
